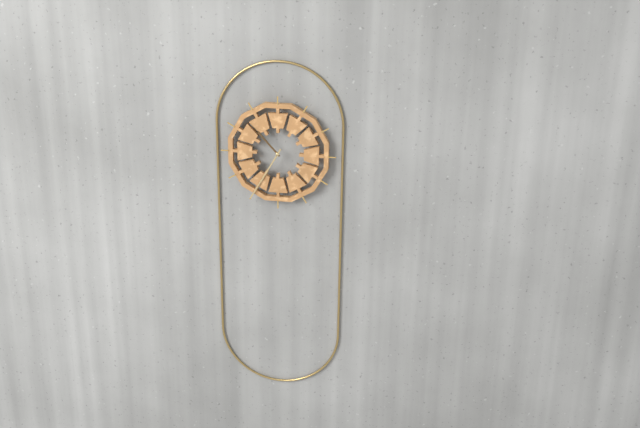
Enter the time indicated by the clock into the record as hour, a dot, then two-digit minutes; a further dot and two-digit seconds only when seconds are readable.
10.35
